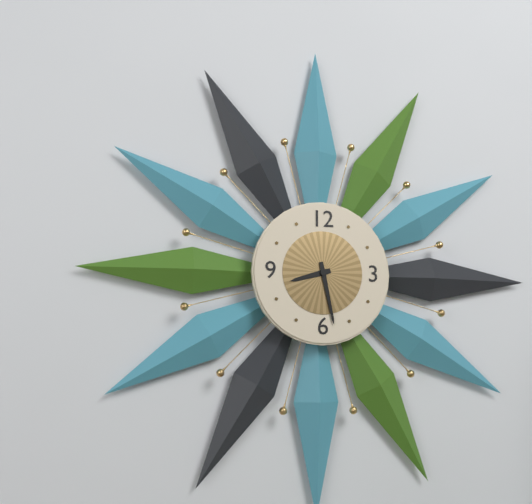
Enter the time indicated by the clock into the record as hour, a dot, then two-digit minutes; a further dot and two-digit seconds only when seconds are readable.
8.28
